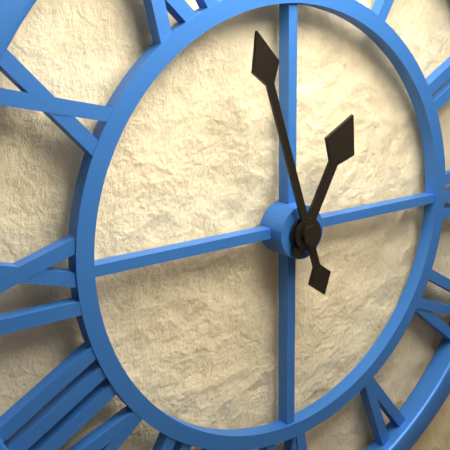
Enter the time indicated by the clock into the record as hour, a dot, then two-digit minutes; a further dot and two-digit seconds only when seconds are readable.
12.57
